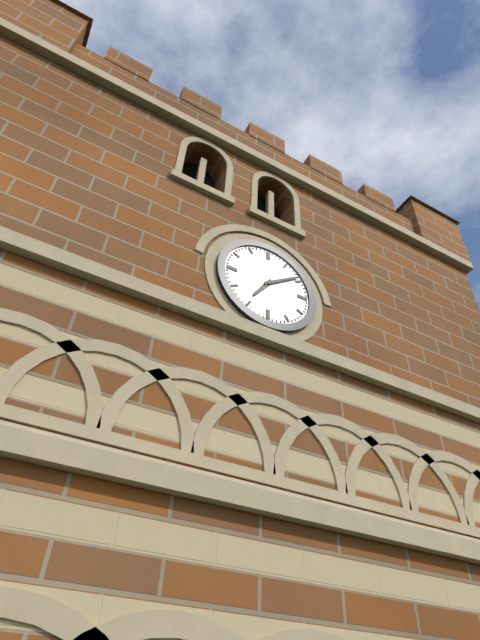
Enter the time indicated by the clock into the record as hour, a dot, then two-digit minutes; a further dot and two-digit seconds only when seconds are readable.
7.09
